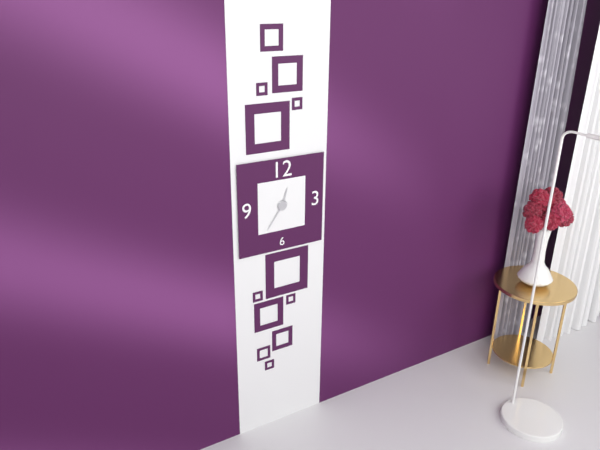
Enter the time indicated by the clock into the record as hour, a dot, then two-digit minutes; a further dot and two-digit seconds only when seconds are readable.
12.36
